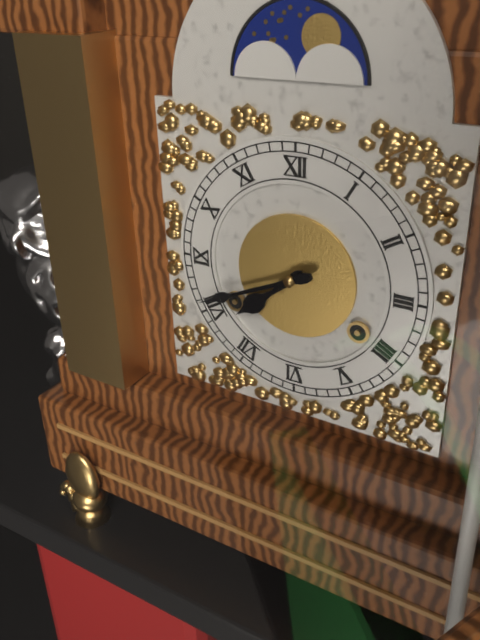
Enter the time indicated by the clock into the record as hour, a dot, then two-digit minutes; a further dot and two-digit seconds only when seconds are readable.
7.41
